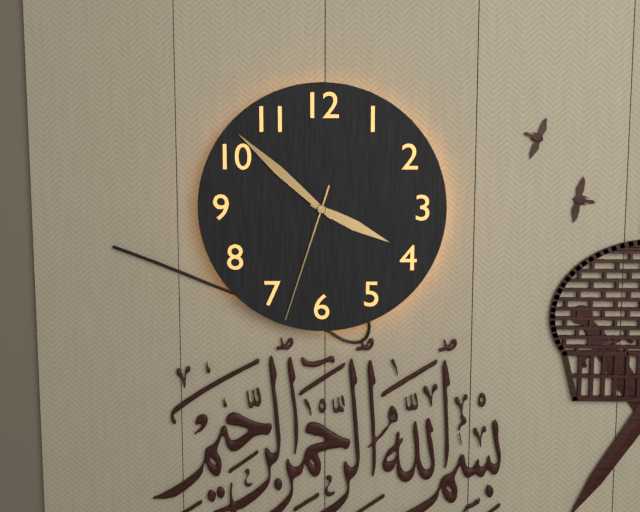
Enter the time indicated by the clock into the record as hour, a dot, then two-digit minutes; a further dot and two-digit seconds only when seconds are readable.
3.52.33
